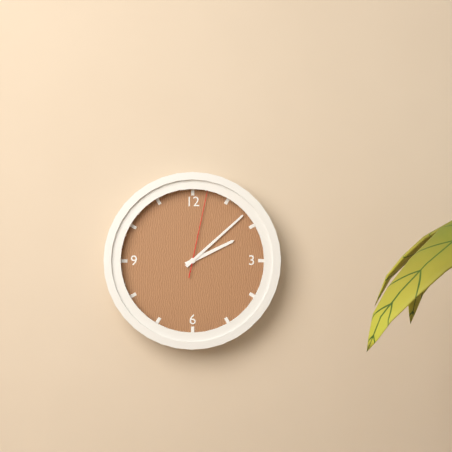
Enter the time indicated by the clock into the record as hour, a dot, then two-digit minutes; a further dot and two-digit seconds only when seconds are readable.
2.08.02
